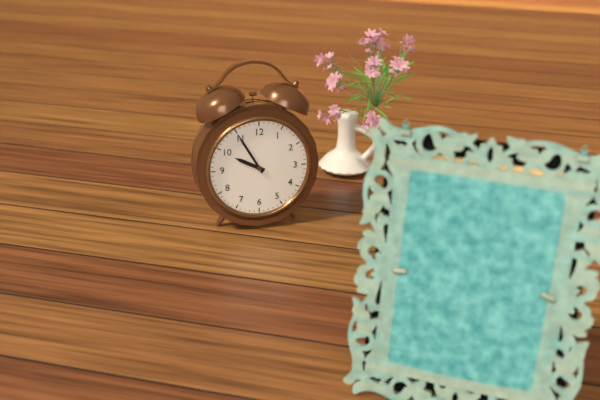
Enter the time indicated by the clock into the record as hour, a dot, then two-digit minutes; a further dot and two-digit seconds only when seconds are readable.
9.55
